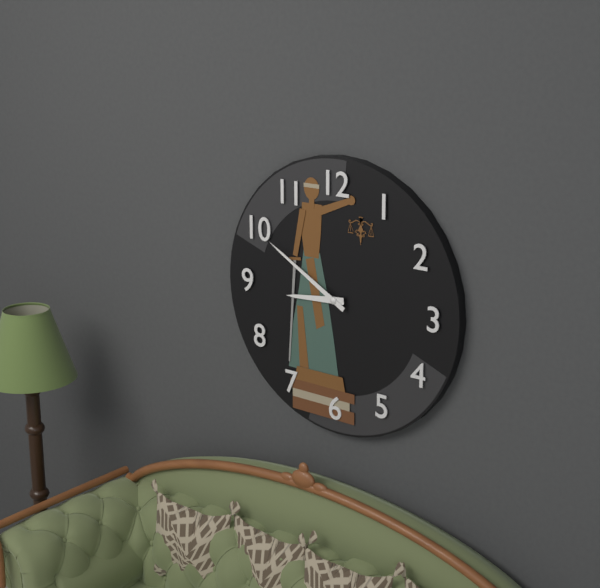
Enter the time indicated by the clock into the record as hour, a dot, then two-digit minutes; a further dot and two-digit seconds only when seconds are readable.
8.50
